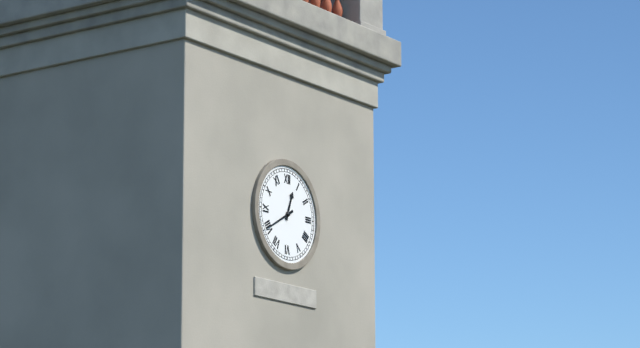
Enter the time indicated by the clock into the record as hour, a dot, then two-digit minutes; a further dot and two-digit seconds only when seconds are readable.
12.40
